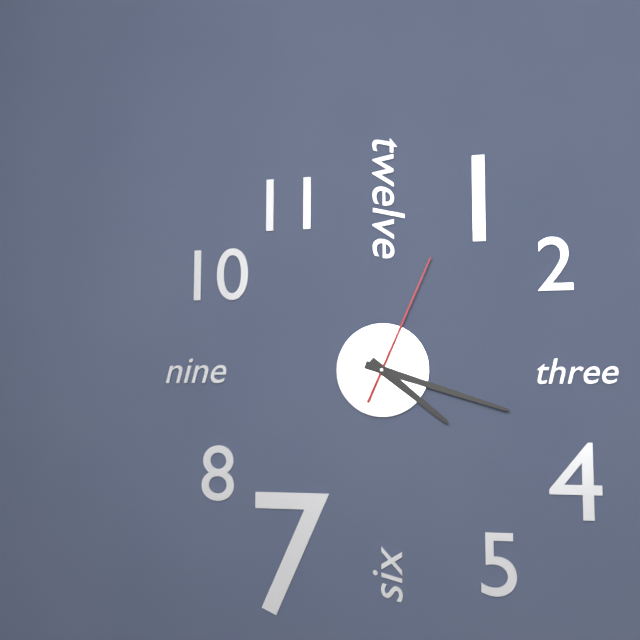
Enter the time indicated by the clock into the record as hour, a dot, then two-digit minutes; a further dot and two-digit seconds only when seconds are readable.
4.18.04
